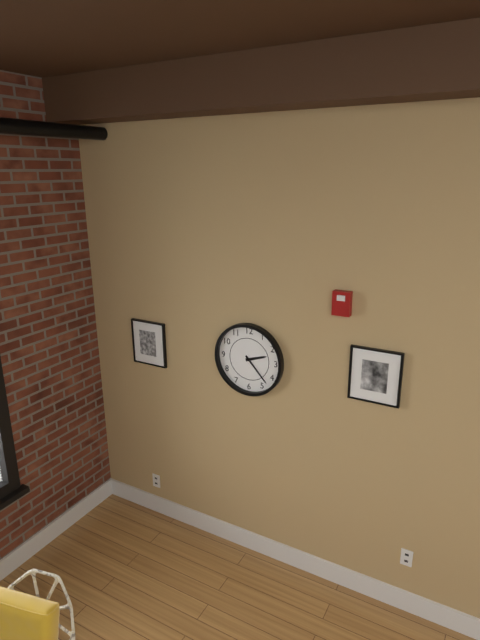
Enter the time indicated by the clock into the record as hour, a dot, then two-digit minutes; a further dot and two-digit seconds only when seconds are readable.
2.23
